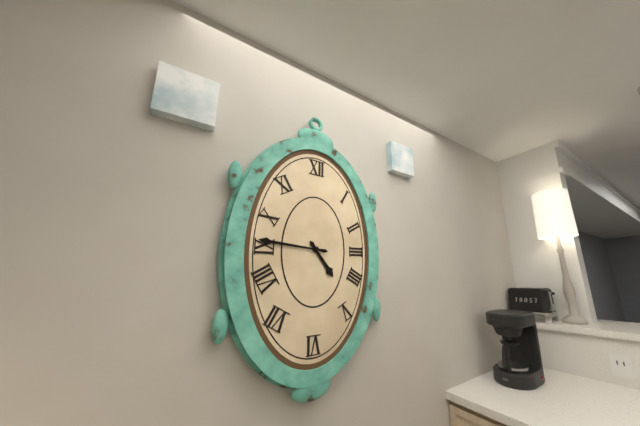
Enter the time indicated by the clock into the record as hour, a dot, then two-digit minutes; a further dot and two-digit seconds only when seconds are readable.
4.46
